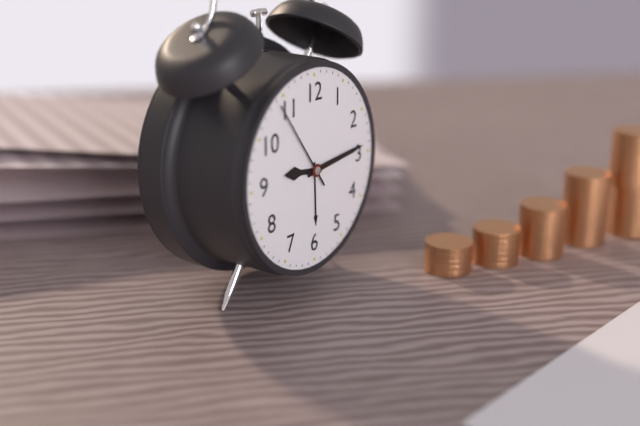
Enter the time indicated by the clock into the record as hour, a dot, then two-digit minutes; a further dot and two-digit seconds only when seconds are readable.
9.14.54
